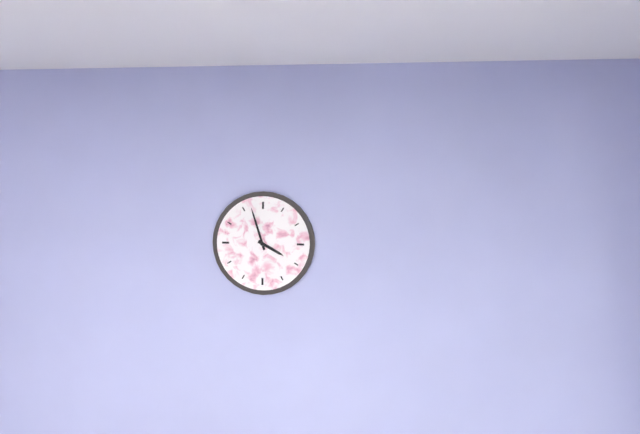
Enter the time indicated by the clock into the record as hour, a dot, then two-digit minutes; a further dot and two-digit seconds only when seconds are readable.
3.57
